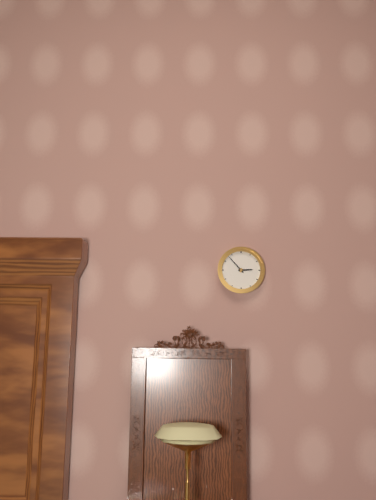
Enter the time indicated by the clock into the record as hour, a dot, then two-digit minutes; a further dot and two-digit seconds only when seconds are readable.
2.53
